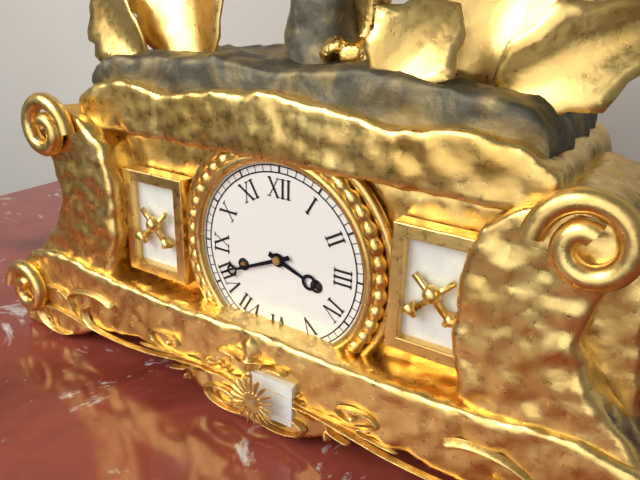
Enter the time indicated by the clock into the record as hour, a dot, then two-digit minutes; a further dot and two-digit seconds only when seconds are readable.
3.41
